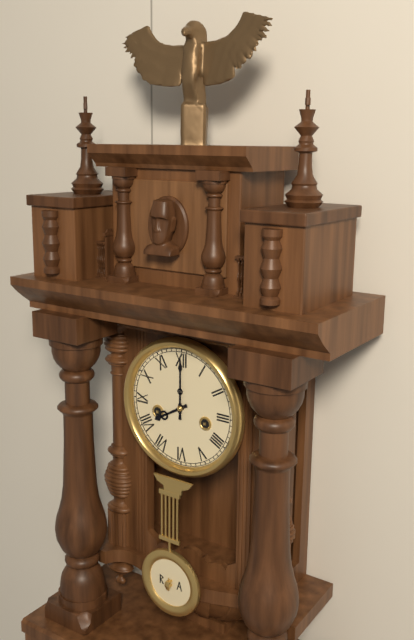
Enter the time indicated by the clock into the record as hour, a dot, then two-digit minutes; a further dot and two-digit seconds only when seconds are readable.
8.00
